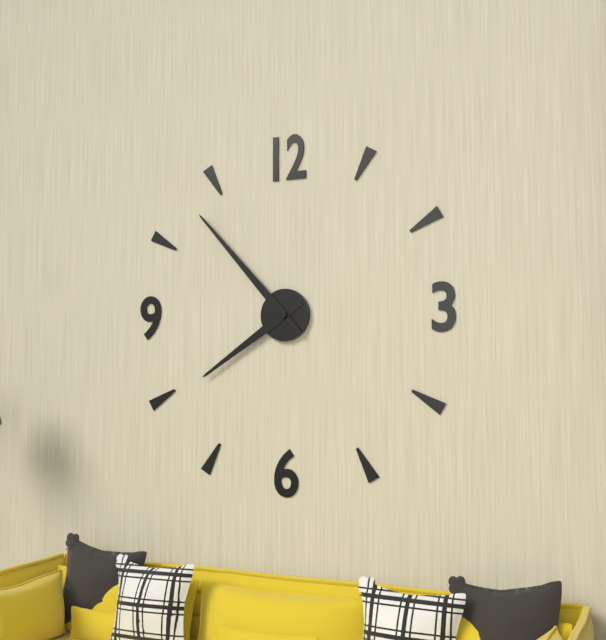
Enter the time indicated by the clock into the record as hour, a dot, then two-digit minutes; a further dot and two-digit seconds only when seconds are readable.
7.53
